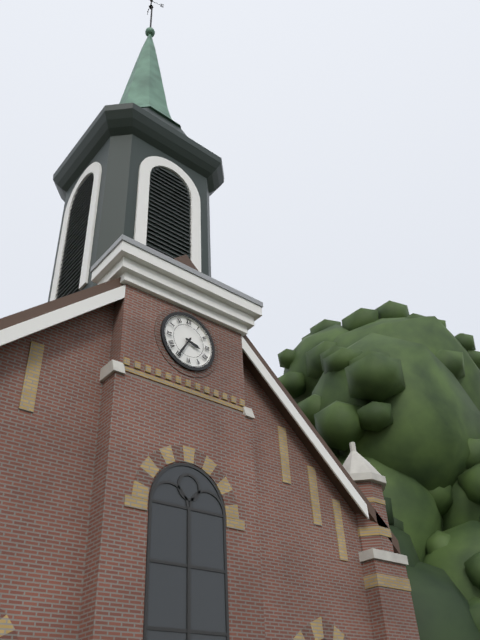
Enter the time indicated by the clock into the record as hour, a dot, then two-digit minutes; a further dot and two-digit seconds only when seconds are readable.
3.35
